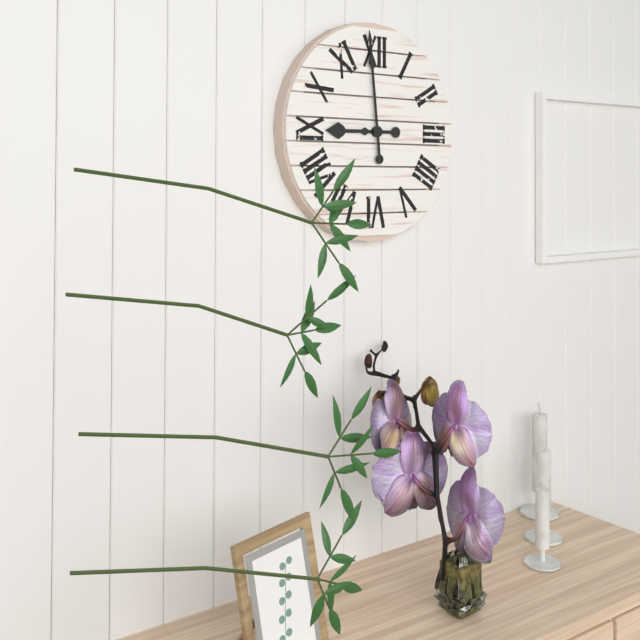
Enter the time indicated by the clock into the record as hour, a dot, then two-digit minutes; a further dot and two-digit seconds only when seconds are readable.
8.59
